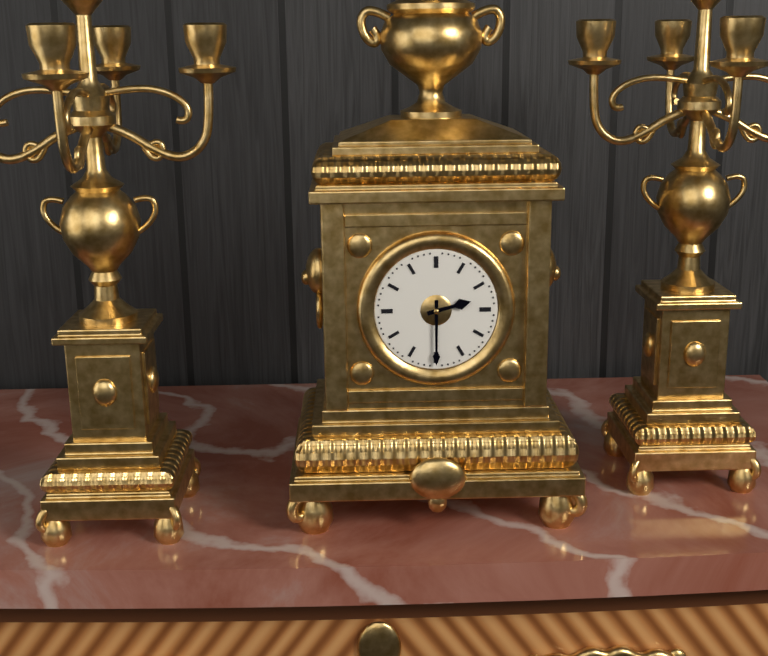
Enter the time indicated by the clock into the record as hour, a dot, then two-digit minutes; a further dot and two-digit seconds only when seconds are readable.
2.30
